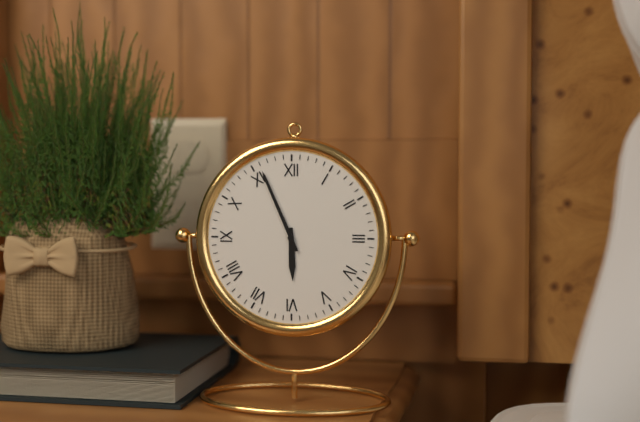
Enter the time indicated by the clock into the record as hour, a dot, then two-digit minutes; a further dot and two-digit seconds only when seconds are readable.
5.56
